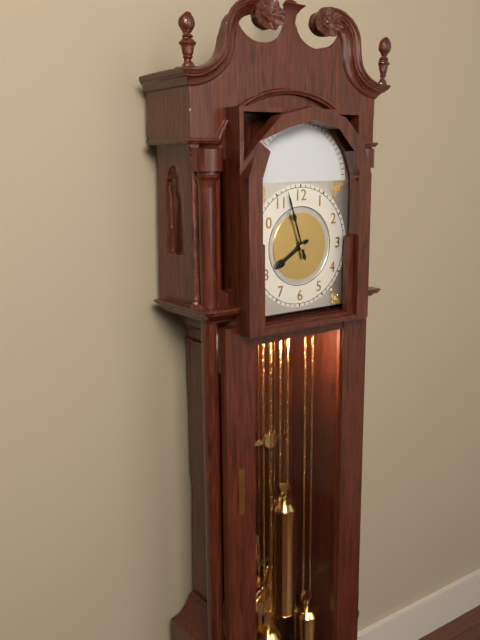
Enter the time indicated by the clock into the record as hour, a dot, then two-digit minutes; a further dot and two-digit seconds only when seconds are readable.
7.57
